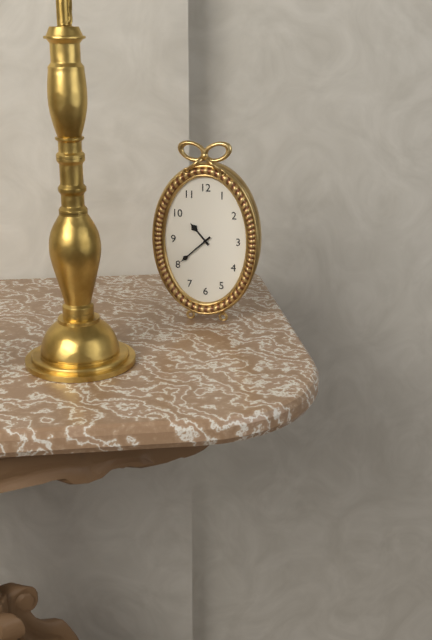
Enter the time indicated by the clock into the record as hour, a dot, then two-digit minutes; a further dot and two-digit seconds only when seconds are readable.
10.38
